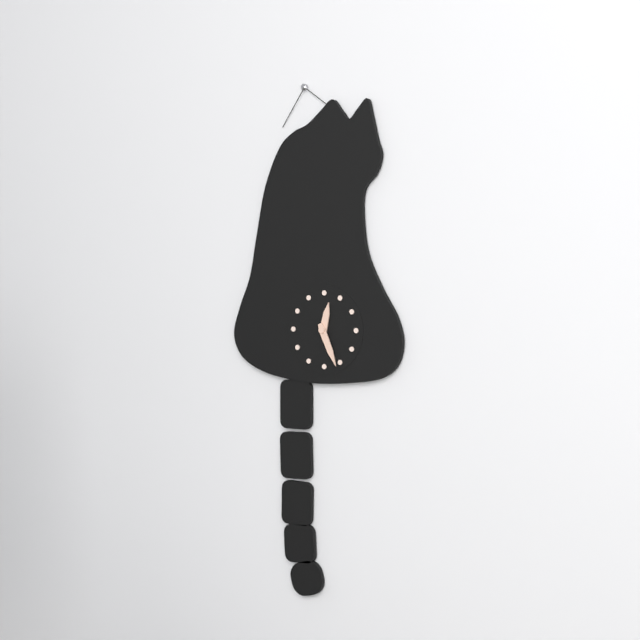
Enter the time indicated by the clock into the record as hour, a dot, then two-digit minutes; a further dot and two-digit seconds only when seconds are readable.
12.26
